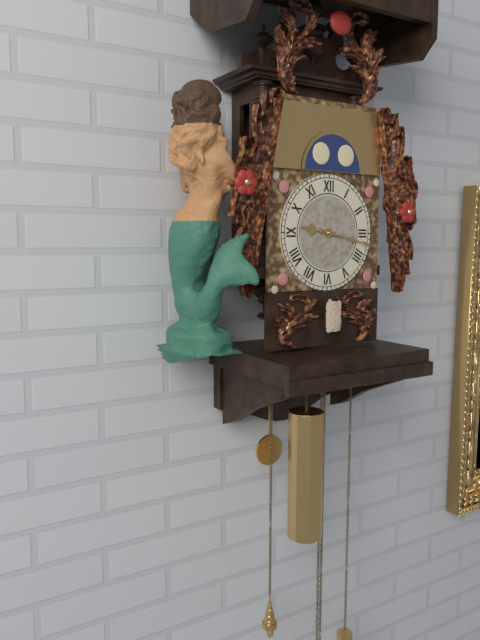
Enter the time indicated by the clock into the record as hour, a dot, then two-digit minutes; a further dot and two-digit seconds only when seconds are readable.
9.17
